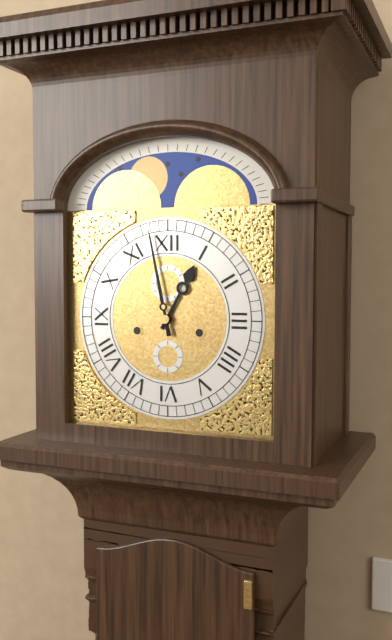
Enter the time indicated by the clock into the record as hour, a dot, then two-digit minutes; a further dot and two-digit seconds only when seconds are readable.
12.58
